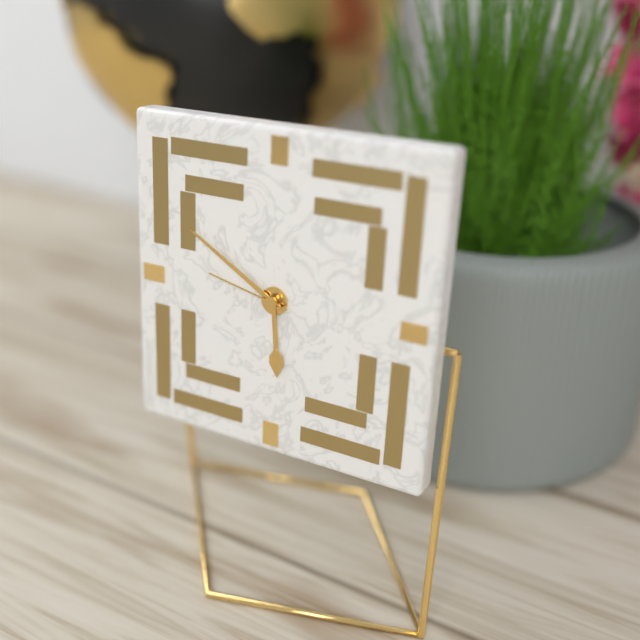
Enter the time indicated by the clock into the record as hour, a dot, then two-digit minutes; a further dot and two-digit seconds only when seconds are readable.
5.50.47
